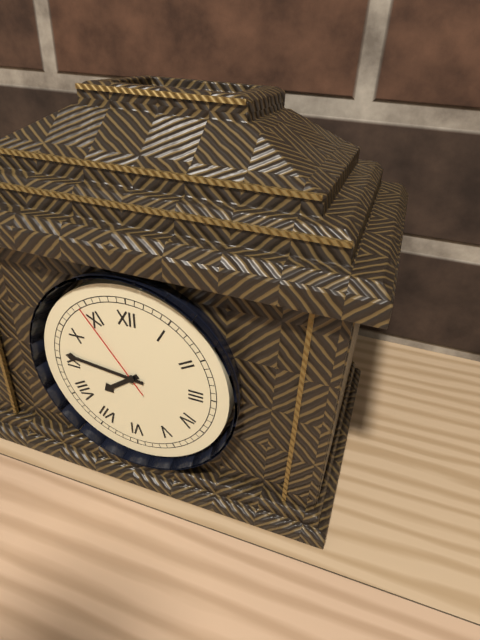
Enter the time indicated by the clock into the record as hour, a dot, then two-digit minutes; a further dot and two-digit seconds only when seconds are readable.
7.46.54
